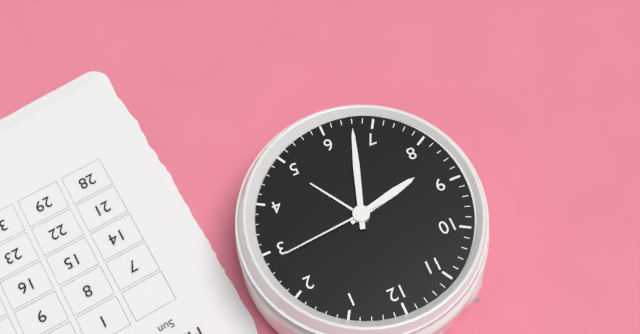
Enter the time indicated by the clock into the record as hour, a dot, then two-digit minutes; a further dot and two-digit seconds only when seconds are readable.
8.33.14
